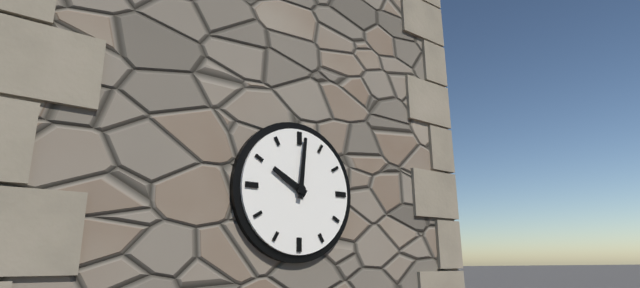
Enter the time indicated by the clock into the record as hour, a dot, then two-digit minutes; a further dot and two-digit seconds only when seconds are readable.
10.01
